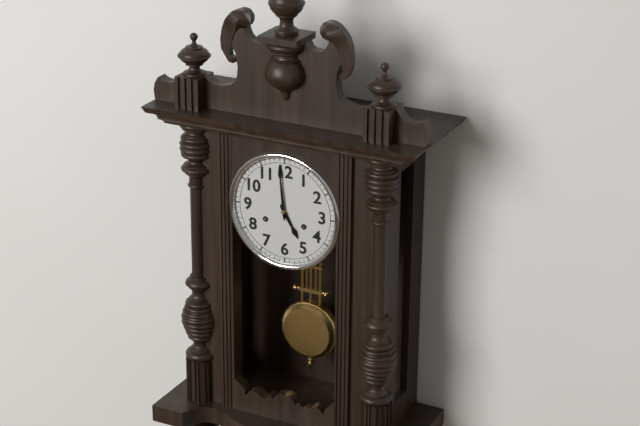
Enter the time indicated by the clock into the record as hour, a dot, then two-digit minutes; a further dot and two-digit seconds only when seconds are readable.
4.59
